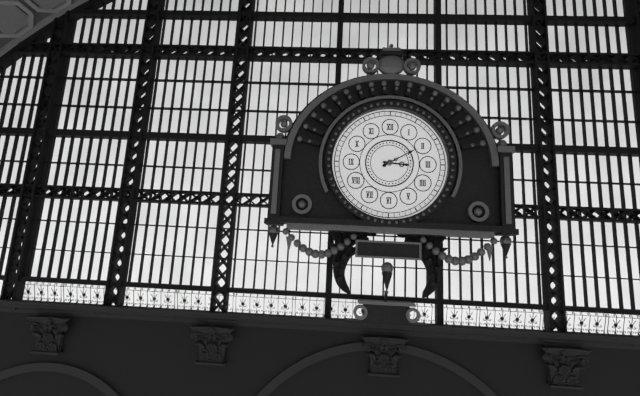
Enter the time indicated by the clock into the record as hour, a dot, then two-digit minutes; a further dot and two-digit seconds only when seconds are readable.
3.10
